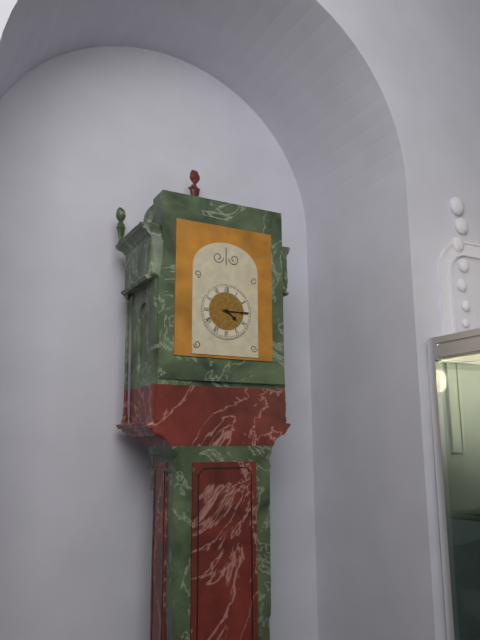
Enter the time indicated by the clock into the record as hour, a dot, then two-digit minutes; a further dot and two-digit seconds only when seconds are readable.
4.15
